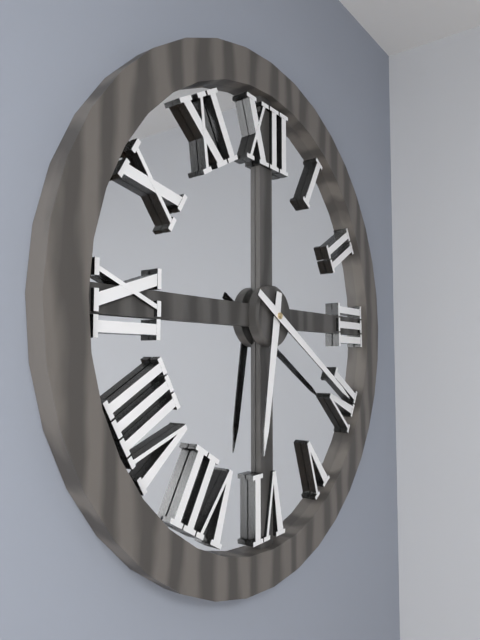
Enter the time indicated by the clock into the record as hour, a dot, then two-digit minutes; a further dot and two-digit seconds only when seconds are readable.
6.20
